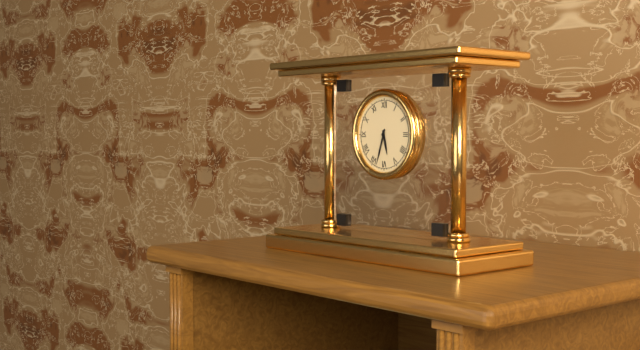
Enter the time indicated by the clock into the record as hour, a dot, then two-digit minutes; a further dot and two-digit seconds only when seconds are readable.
5.33
